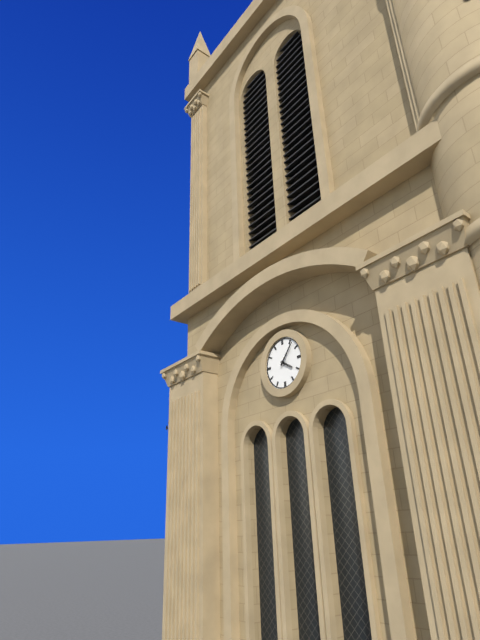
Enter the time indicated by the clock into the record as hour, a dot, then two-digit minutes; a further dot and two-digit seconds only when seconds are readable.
4.07
